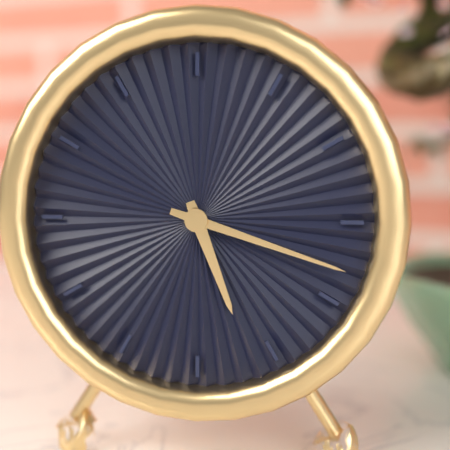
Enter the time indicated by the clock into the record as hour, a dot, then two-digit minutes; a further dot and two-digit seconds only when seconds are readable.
5.18
